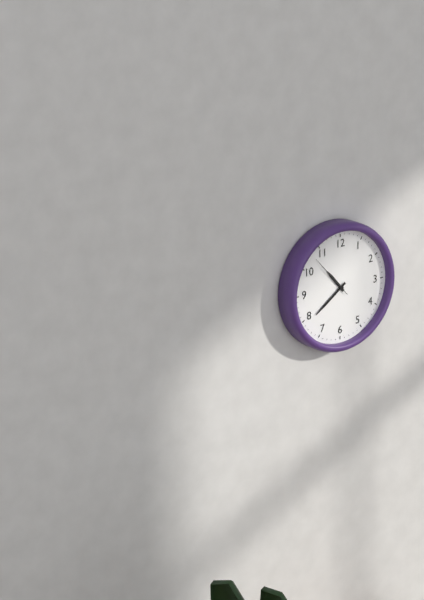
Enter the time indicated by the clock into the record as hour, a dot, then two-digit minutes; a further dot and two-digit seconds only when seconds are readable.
10.39
